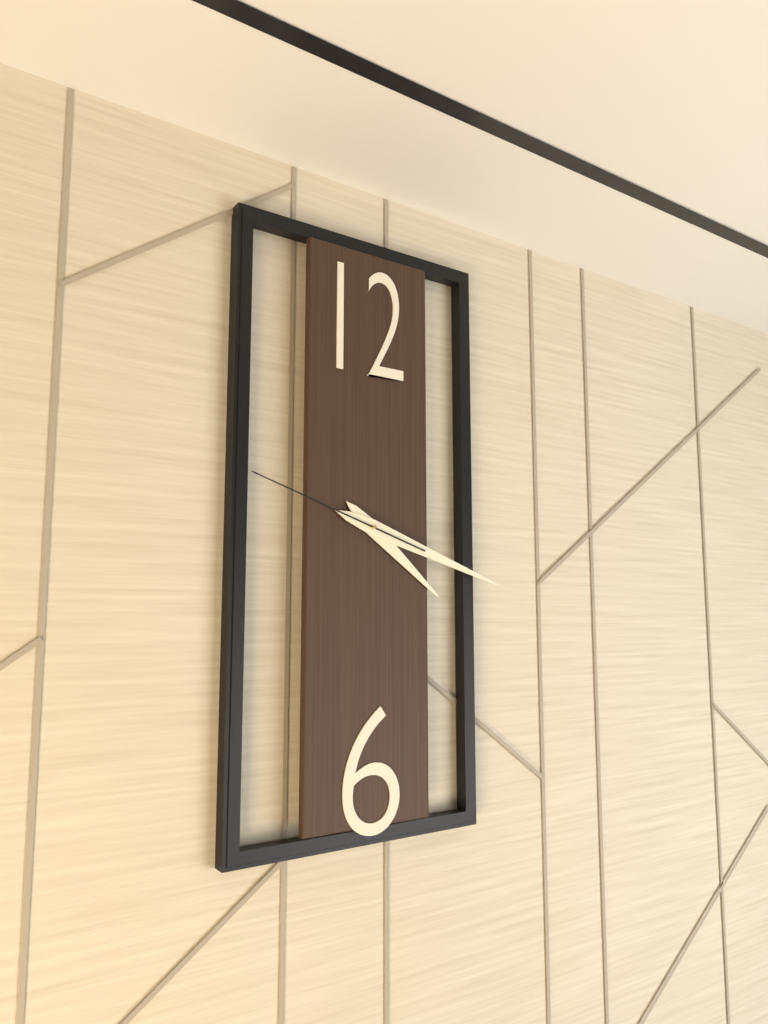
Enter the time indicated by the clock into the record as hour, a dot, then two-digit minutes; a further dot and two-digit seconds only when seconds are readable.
4.18.48
